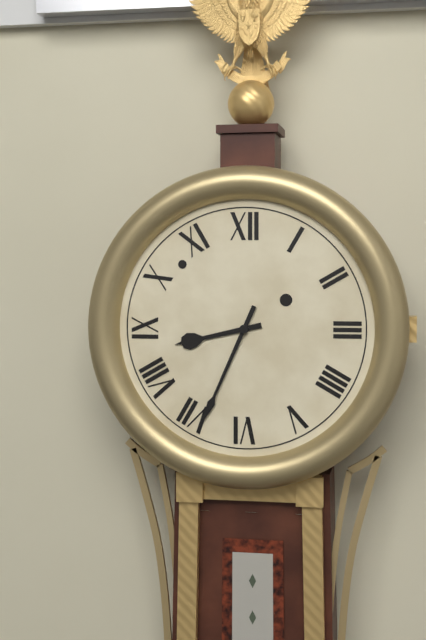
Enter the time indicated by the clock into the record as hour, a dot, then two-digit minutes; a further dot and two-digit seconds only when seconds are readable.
8.34
